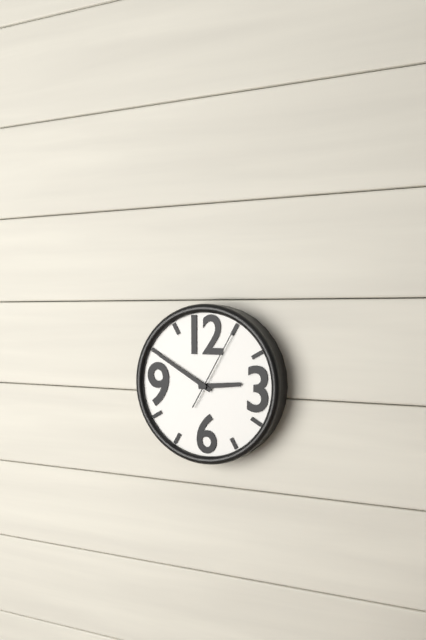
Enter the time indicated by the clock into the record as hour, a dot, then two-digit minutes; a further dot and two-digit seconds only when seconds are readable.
2.50.05
